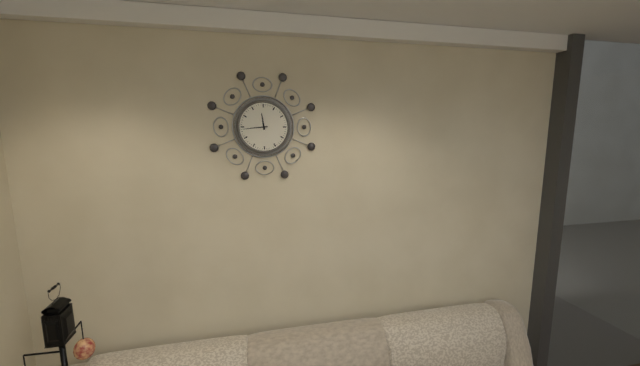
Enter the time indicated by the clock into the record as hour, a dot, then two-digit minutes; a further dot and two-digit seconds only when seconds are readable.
11.44
